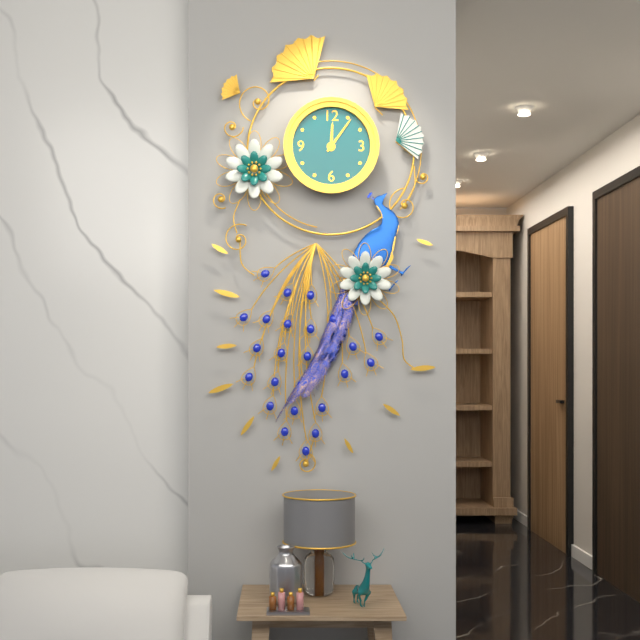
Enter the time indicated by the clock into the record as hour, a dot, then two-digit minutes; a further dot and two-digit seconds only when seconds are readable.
12.06
